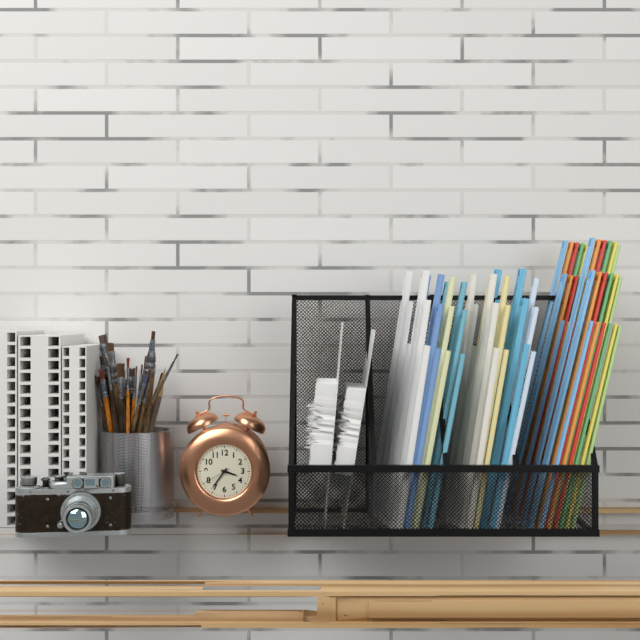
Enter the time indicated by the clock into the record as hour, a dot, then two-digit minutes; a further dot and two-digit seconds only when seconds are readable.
3.36
